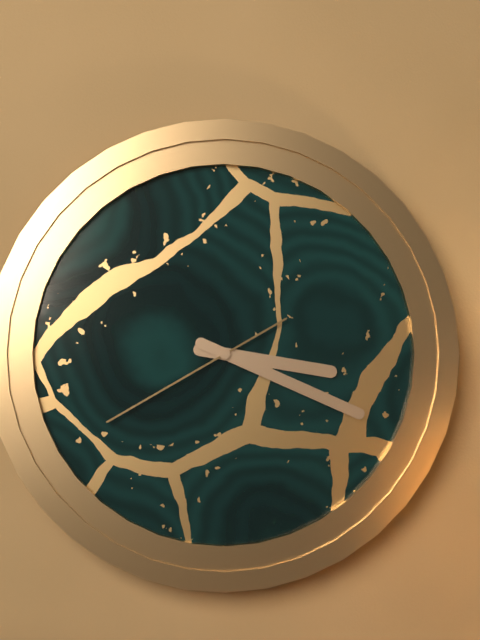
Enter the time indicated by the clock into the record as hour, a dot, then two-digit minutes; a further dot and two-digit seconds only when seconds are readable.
3.19.40
